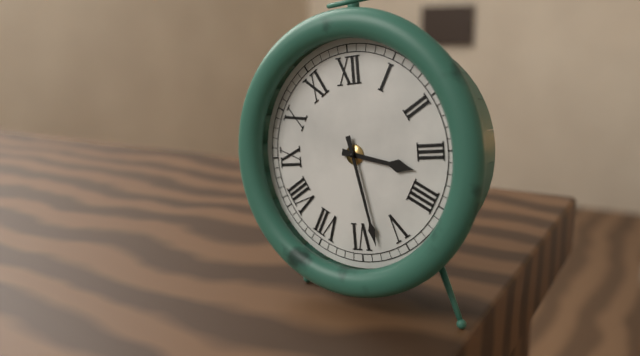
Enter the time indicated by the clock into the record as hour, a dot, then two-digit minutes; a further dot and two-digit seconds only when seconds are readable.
3.28
